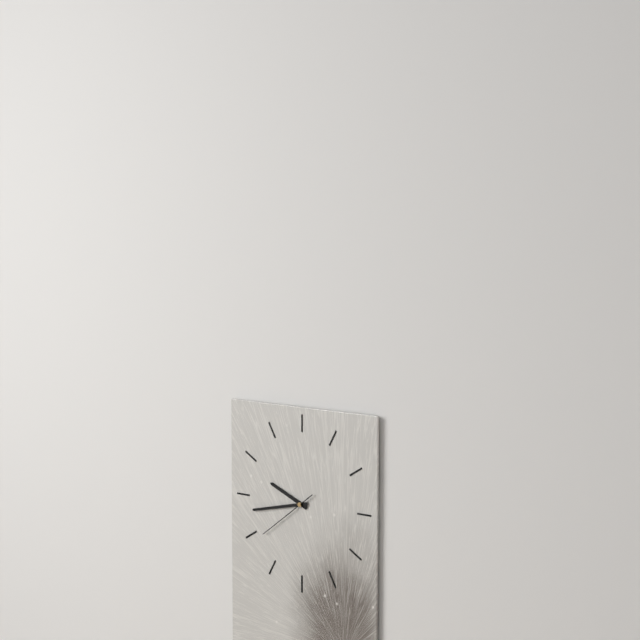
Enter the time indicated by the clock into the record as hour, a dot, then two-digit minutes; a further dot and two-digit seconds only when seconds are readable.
9.43.39
